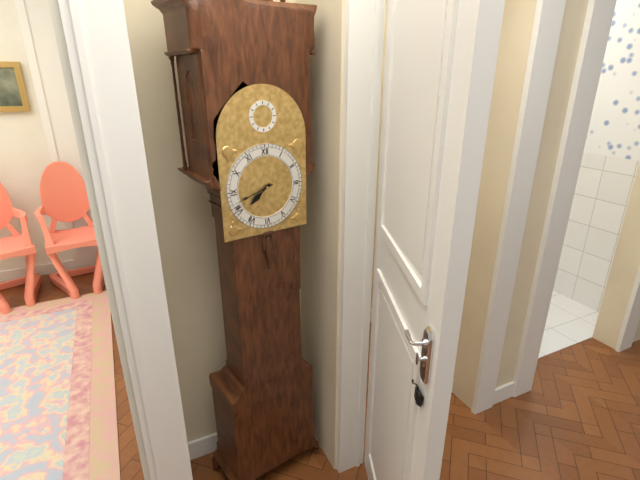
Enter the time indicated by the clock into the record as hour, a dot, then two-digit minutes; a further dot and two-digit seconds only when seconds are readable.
7.42
